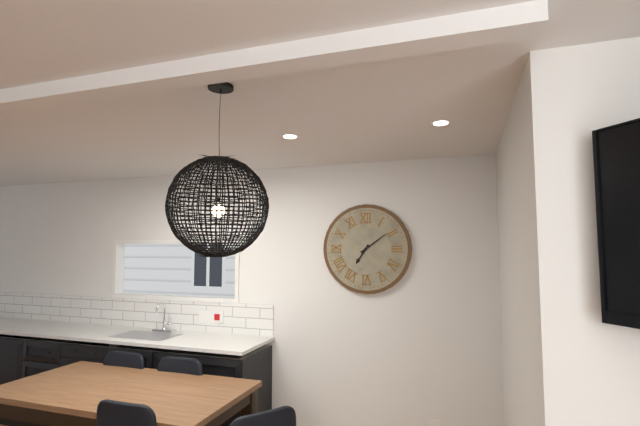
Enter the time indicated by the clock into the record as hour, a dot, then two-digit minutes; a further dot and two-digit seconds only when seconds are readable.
7.09
